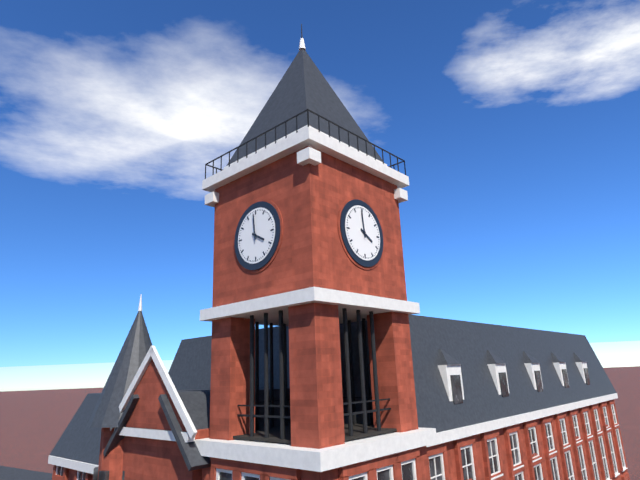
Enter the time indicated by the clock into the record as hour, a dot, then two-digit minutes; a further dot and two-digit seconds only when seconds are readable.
3.59
